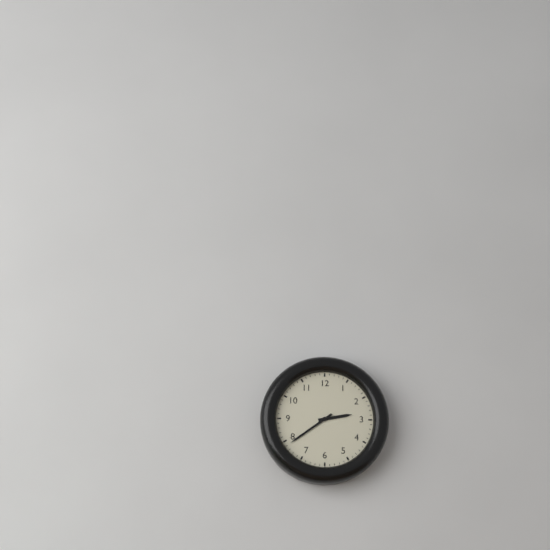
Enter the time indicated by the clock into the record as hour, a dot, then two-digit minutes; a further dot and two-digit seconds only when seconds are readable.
2.39
